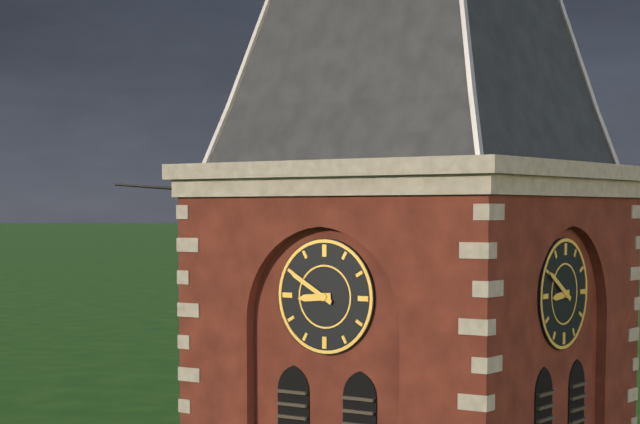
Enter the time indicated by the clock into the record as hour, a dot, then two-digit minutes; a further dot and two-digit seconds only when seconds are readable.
8.50
